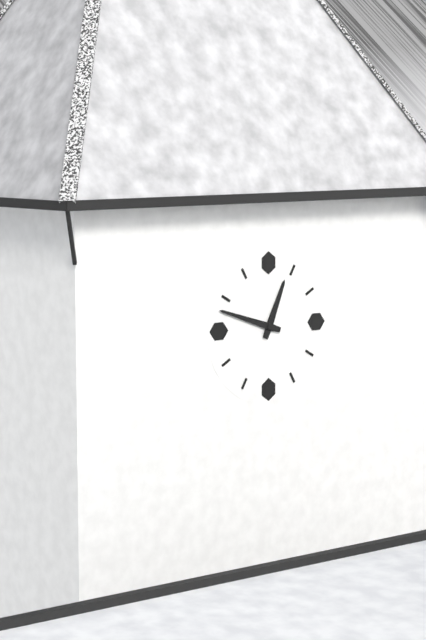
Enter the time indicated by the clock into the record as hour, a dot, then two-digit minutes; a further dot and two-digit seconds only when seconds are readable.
12.48
